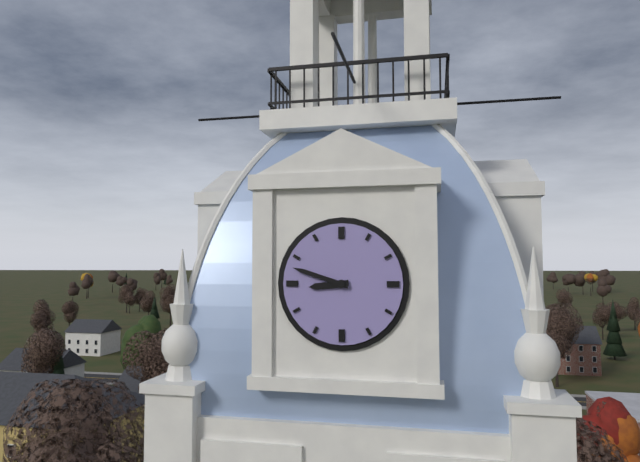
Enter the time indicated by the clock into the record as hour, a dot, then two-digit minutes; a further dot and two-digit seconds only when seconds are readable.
8.48
